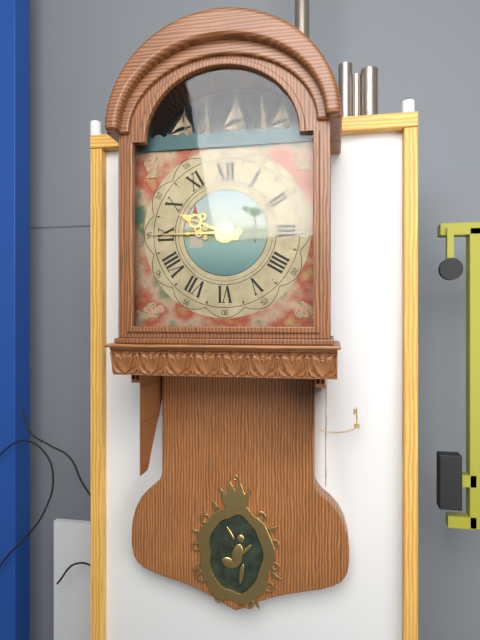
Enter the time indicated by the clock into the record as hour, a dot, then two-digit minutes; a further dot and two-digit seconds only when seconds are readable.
9.45
